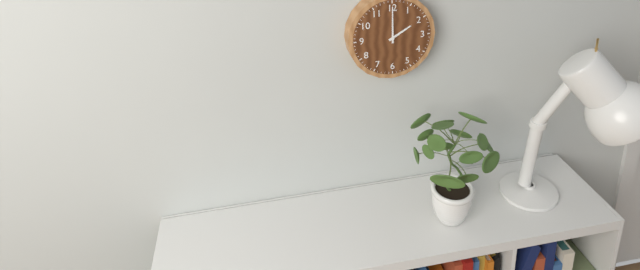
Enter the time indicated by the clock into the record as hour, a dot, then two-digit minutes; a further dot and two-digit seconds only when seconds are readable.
2.00
